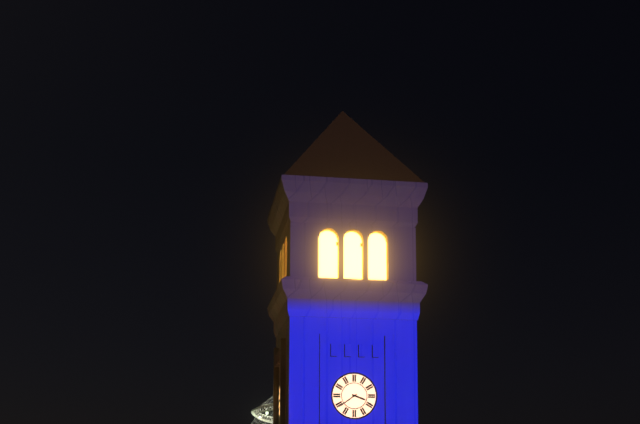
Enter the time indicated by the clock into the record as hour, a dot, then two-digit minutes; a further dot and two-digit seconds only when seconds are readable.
3.39
